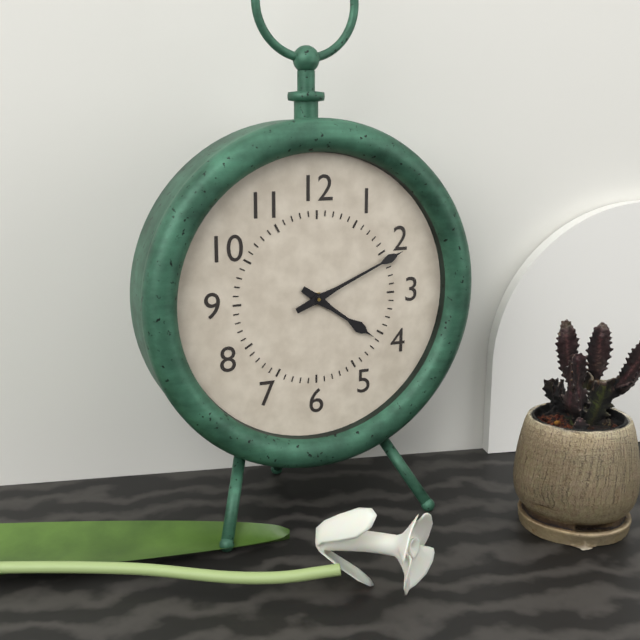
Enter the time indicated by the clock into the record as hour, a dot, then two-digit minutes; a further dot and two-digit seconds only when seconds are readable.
4.11
